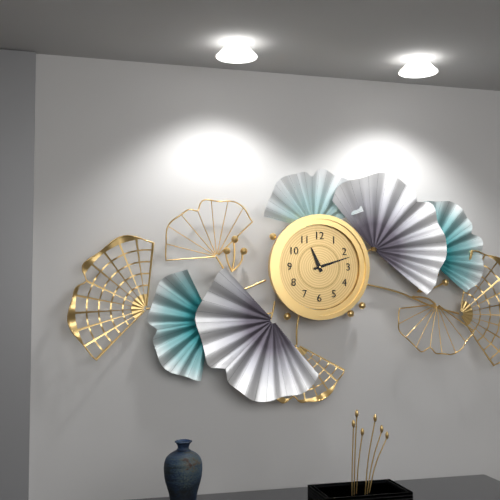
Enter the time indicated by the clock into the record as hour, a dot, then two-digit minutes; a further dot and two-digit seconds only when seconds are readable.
11.12
